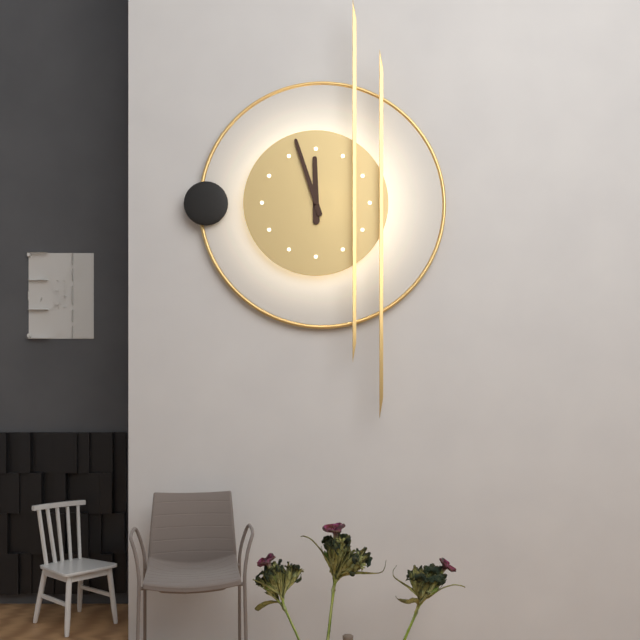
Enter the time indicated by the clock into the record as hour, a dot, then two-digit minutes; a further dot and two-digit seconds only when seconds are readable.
11.57
